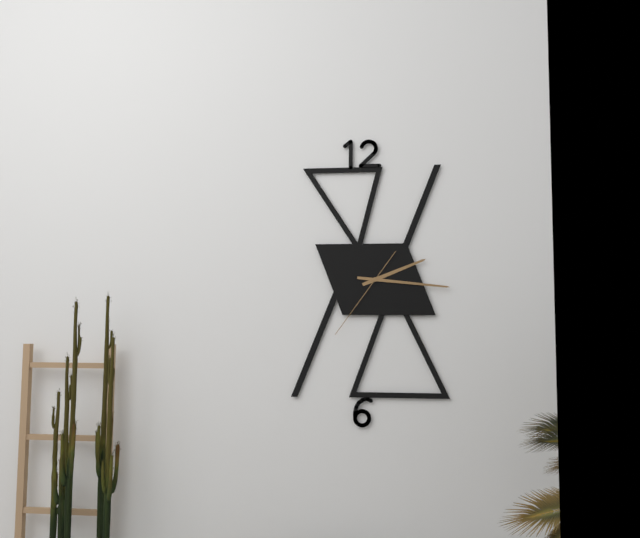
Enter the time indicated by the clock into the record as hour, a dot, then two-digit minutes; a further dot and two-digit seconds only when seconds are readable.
2.16.36
